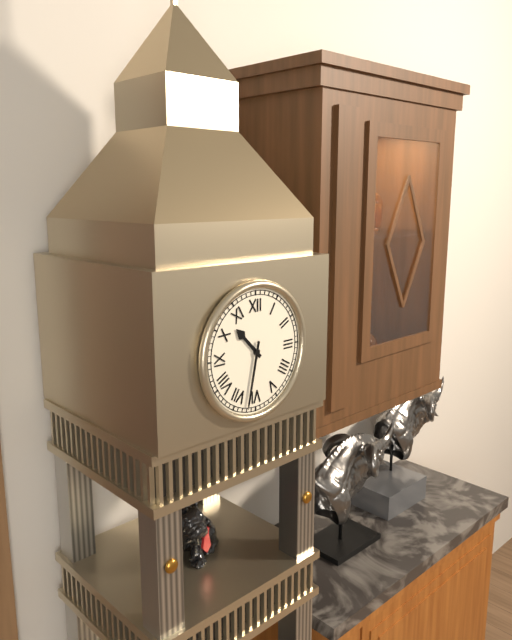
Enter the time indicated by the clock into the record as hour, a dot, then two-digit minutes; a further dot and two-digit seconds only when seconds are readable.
10.32
